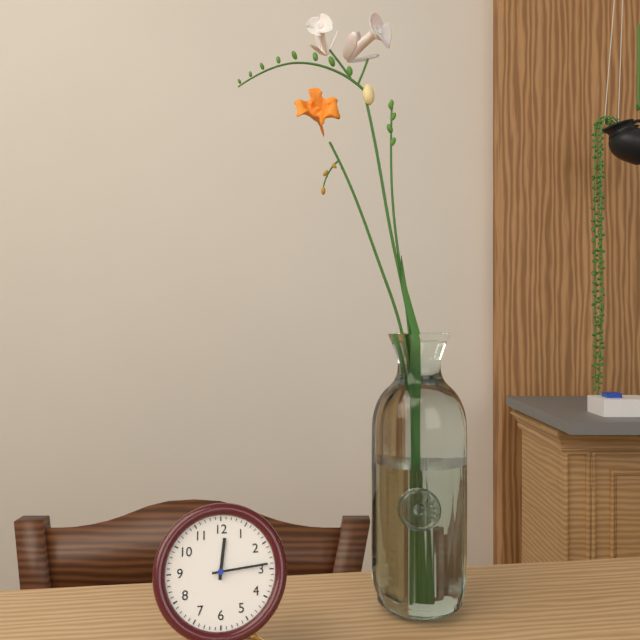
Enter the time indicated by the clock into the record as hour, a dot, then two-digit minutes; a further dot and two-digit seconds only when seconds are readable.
12.14
